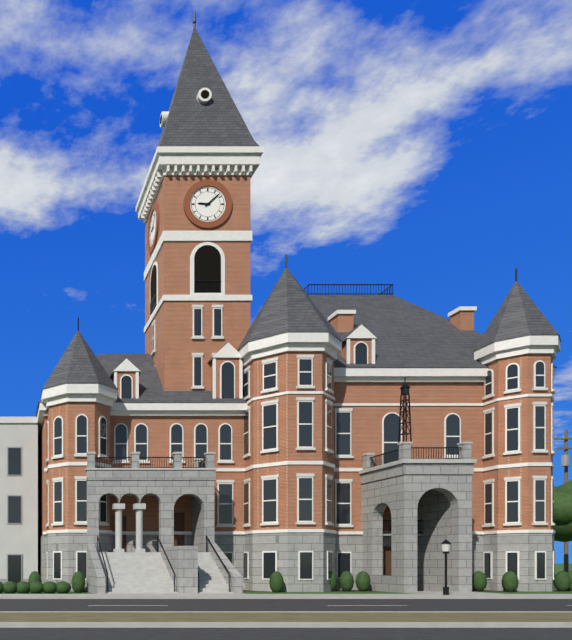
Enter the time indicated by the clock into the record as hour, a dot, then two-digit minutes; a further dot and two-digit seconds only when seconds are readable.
9.08
